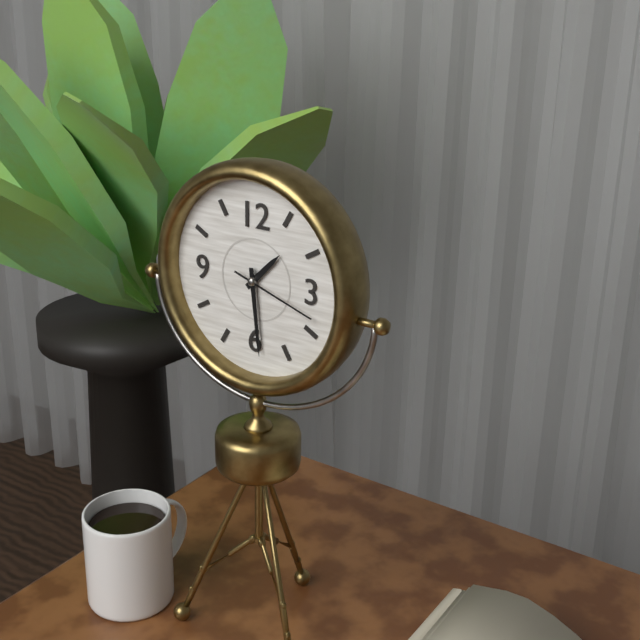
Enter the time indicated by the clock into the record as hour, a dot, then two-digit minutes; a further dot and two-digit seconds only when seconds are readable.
1.29.18
